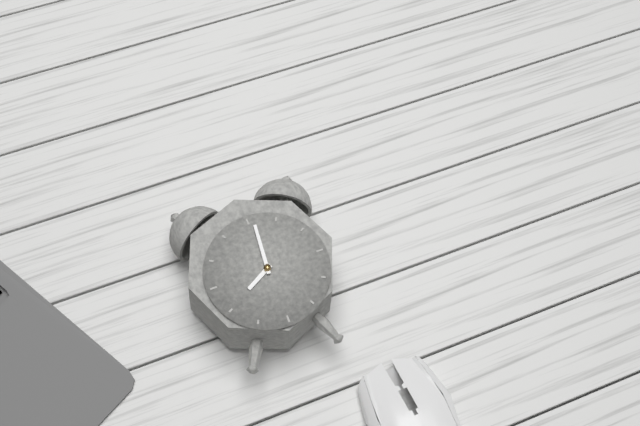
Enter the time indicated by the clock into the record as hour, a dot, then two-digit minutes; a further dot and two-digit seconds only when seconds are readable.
8.01
